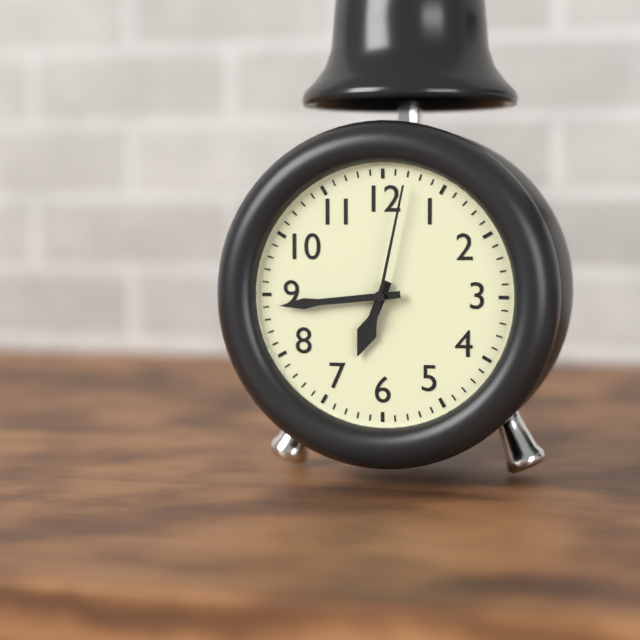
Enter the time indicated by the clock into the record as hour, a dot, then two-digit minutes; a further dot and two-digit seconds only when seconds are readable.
6.44.02
